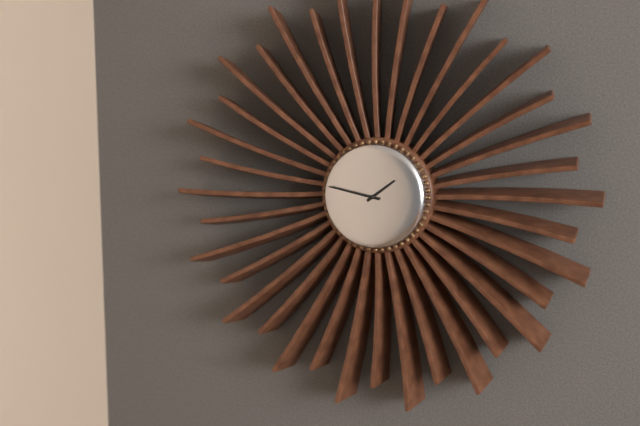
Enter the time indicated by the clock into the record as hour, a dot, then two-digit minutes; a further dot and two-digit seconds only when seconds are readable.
1.47
